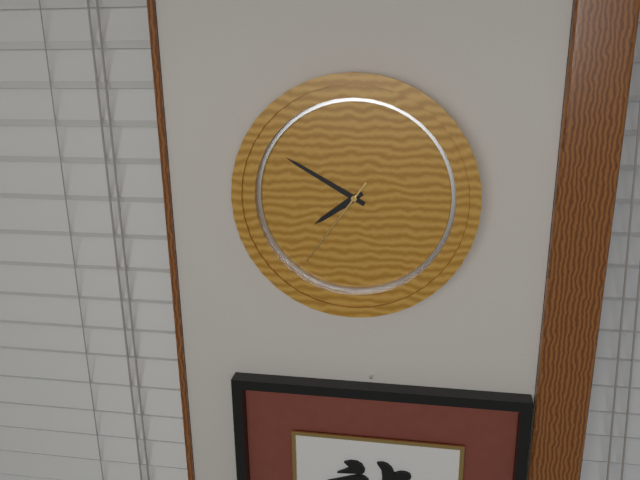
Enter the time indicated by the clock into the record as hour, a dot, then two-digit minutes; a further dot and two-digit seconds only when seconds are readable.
7.50.36
